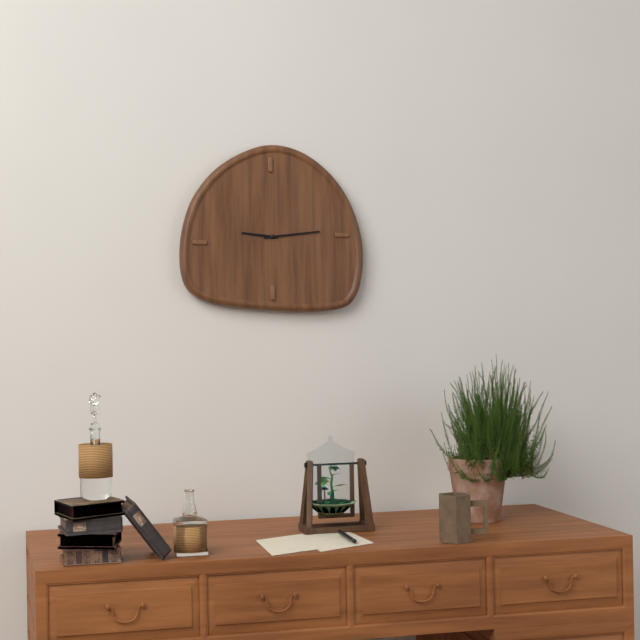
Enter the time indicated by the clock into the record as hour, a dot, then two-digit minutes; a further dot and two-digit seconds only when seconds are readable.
9.14
